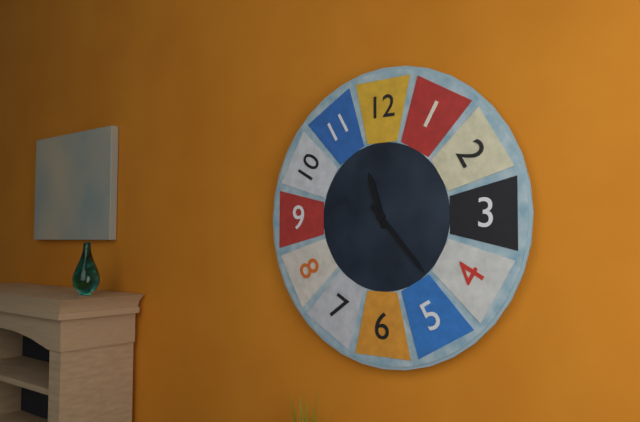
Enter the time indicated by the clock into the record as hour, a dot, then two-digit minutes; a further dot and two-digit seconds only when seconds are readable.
11.23
